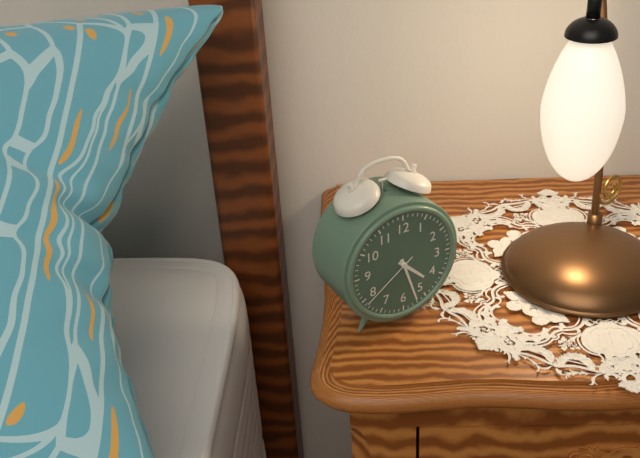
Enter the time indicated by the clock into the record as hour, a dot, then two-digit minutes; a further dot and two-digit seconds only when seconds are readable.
4.27.39
